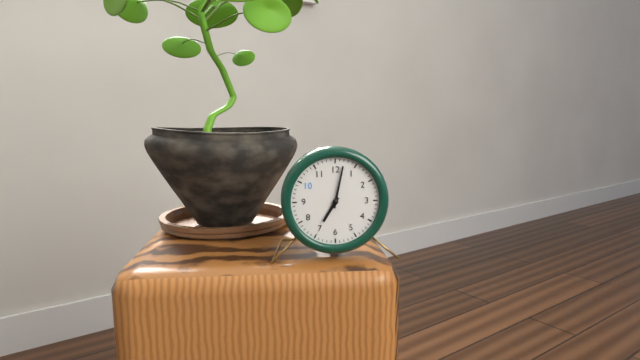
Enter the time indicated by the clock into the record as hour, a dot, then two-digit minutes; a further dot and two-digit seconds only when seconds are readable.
7.02
